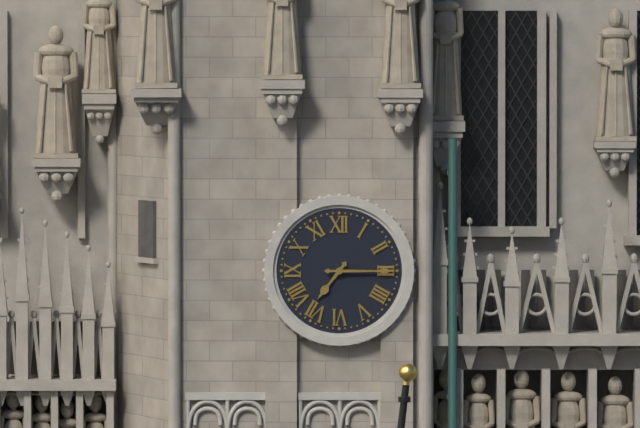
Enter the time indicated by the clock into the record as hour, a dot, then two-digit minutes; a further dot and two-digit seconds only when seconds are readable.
7.15
